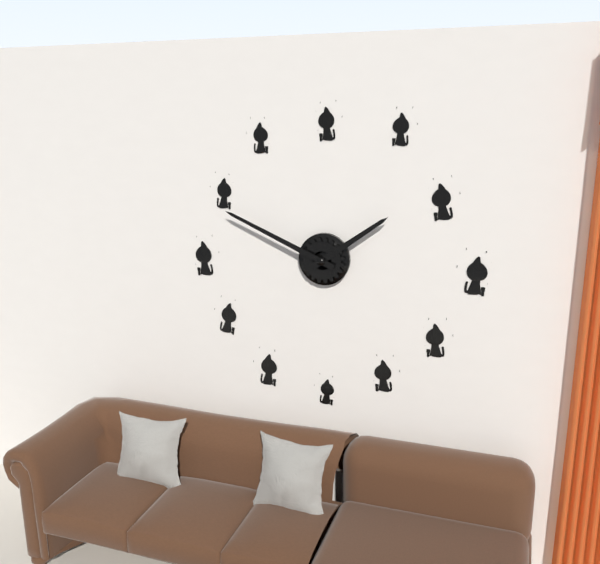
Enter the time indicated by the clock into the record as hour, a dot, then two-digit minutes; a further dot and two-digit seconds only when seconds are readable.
1.49
